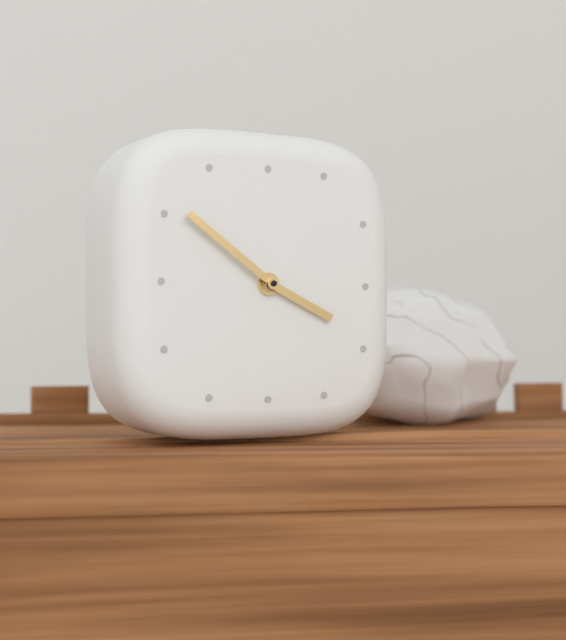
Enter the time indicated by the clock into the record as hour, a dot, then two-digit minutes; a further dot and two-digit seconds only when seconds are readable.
3.51
